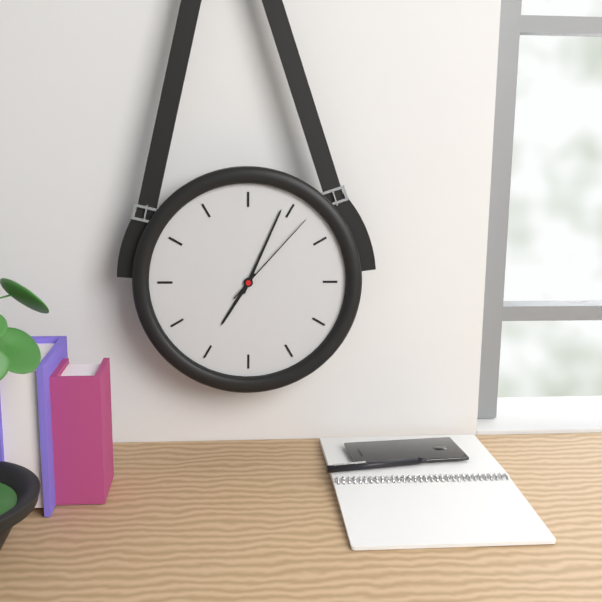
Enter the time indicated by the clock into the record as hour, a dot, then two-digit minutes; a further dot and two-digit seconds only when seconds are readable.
7.04.07
